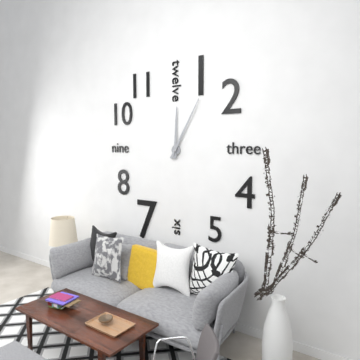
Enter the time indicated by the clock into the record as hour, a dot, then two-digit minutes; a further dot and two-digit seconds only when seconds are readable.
12.05
